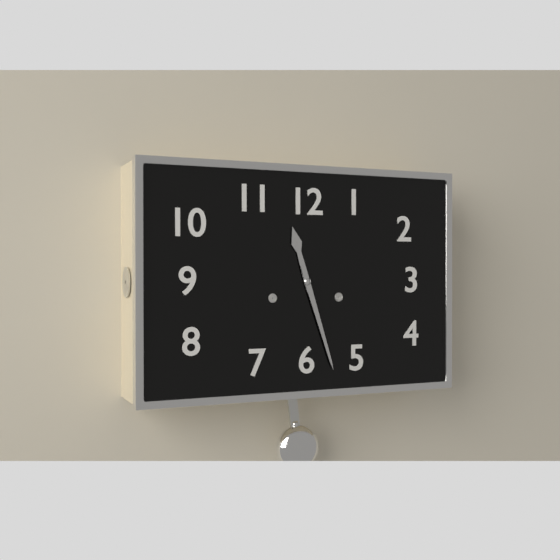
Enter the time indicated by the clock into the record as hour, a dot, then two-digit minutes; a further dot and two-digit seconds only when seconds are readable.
11.27
